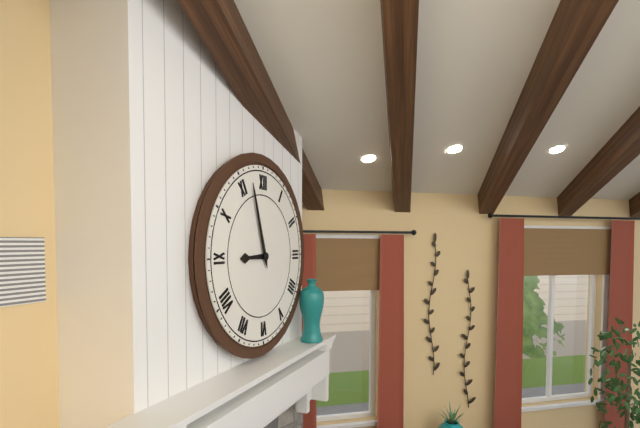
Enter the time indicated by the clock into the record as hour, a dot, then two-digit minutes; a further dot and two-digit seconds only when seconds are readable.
8.57
